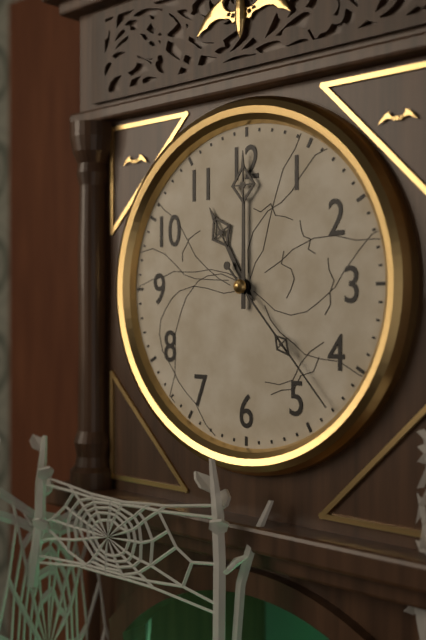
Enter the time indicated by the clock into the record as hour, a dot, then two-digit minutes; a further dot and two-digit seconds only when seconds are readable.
11.00.23
